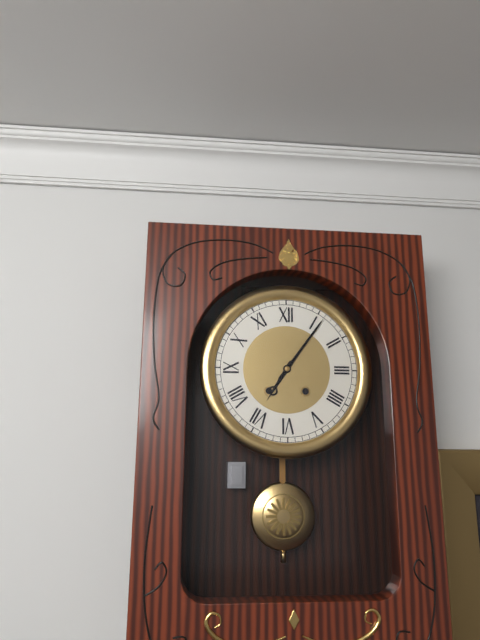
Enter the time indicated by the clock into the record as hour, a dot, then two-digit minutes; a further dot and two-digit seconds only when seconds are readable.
7.06
